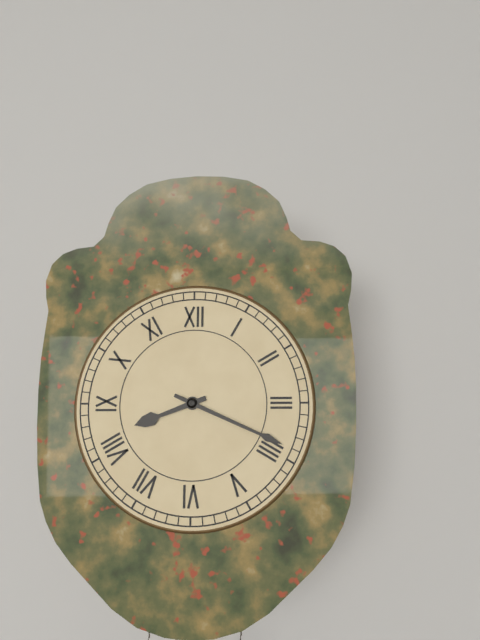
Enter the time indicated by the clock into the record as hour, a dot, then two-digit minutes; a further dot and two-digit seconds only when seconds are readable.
8.19
